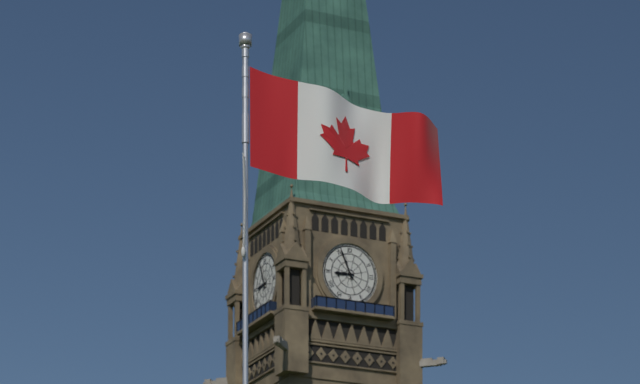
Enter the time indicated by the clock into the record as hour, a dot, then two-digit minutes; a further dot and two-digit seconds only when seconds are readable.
8.56
